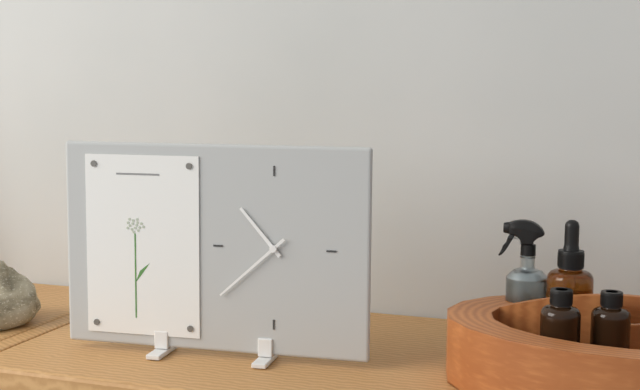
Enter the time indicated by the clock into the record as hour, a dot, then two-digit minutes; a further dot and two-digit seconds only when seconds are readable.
10.38
